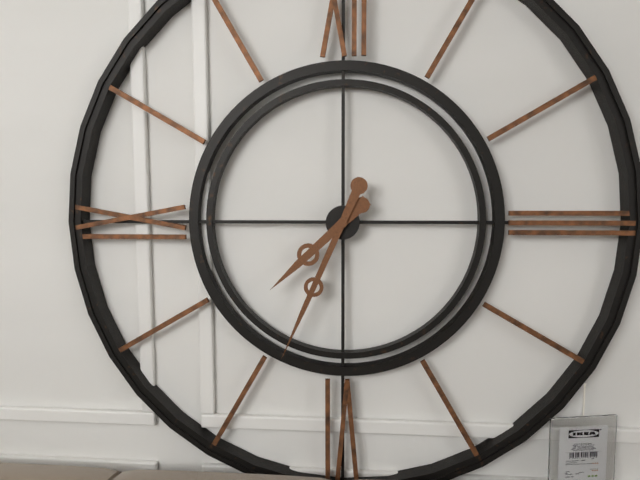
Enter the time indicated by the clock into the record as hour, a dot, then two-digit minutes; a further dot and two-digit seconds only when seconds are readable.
7.34
